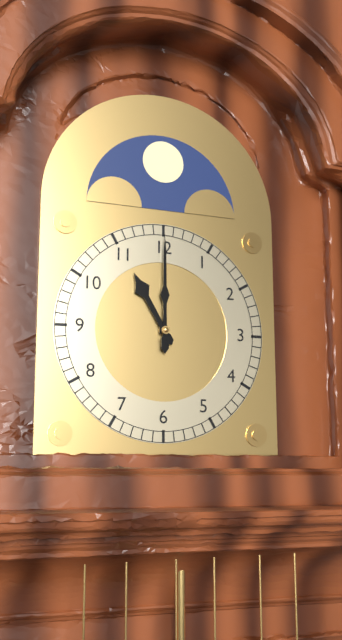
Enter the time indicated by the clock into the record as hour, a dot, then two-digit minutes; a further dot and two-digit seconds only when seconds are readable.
11.00
